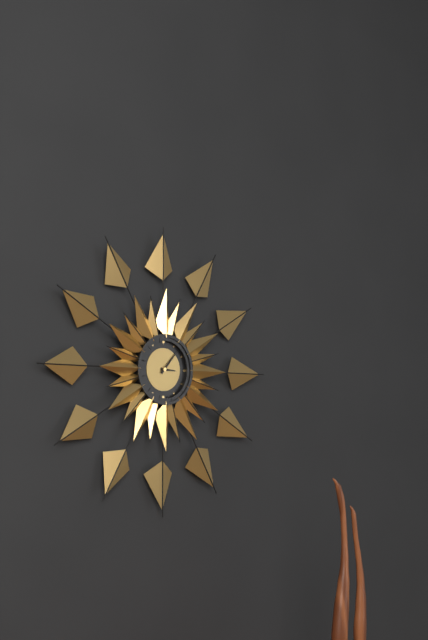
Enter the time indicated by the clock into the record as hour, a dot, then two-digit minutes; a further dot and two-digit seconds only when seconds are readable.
3.07
